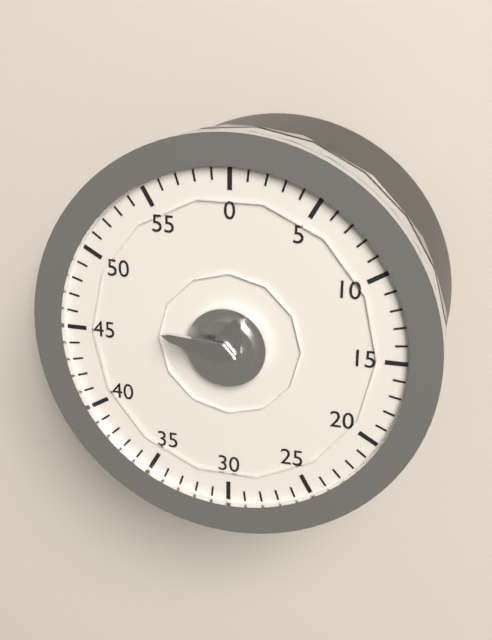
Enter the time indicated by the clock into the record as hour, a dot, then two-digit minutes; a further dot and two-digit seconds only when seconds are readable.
12.47
